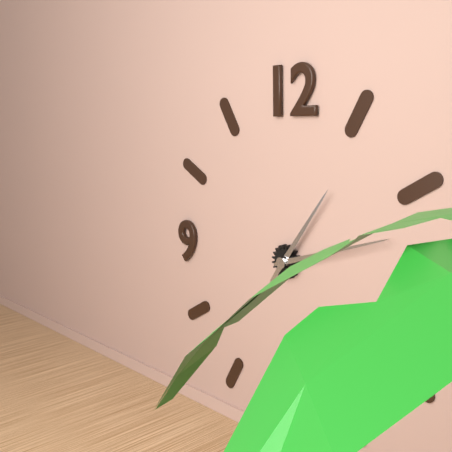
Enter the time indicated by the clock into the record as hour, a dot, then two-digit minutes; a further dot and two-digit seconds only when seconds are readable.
1.12
